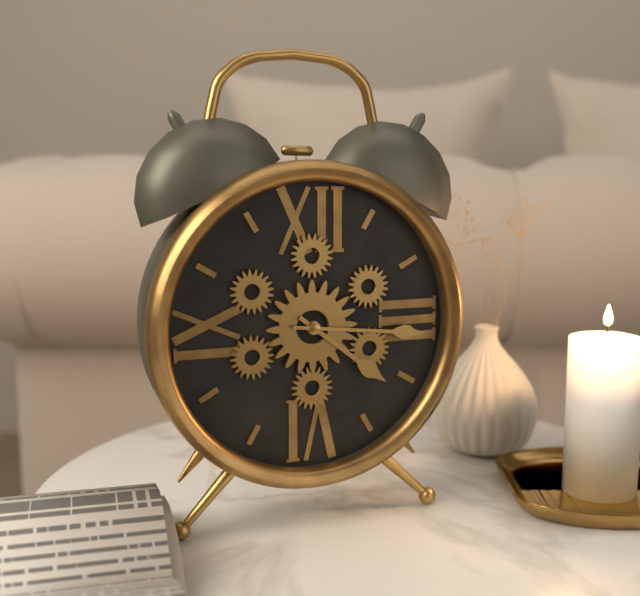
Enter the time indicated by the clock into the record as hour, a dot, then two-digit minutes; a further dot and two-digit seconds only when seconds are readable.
4.16
